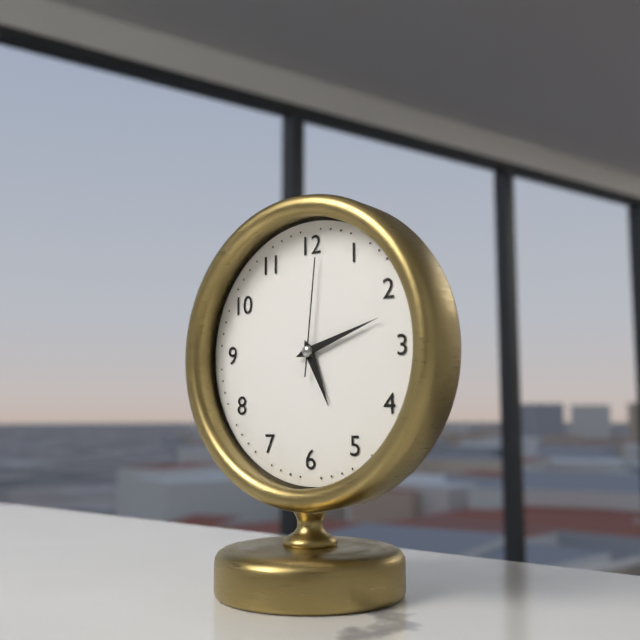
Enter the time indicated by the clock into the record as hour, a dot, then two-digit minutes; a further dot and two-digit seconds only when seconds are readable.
5.12.01
